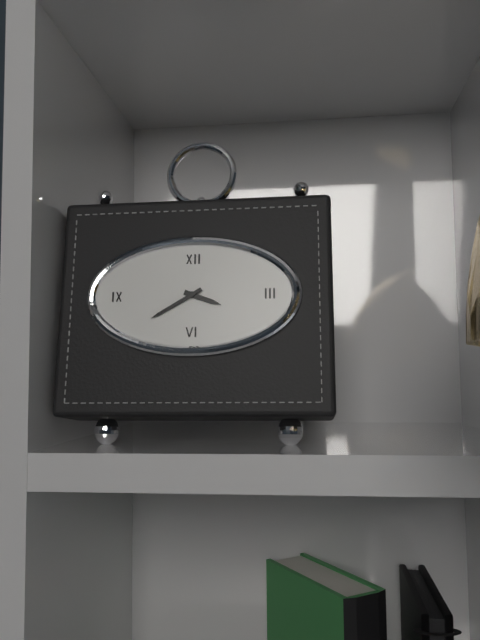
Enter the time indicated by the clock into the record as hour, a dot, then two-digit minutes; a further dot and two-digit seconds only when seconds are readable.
3.40
